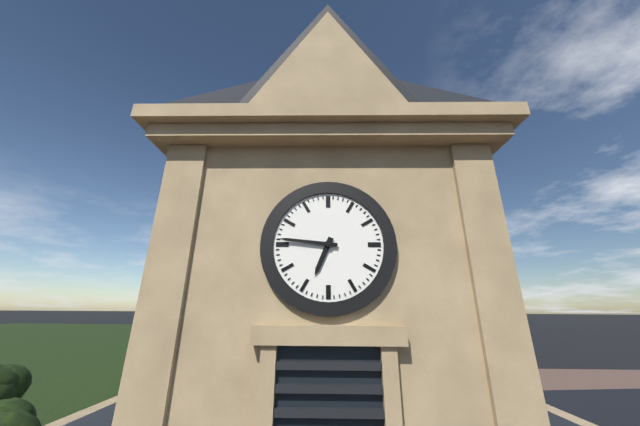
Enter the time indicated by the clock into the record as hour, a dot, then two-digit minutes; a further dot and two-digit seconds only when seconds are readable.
6.46
